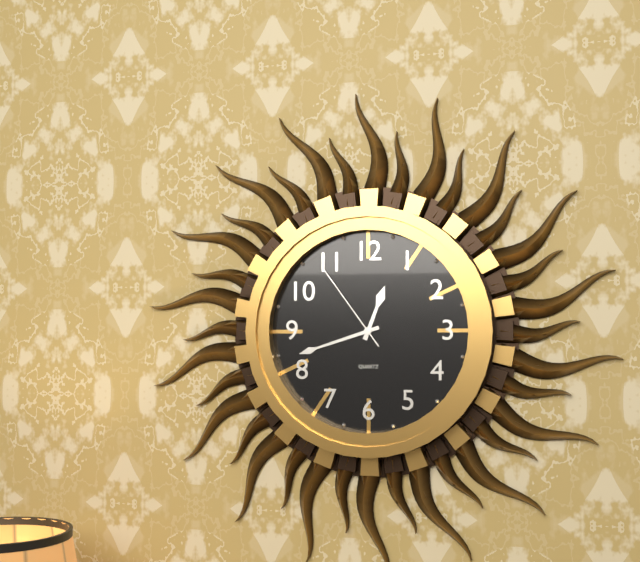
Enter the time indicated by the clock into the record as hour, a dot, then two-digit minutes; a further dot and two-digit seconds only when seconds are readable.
12.42.54
